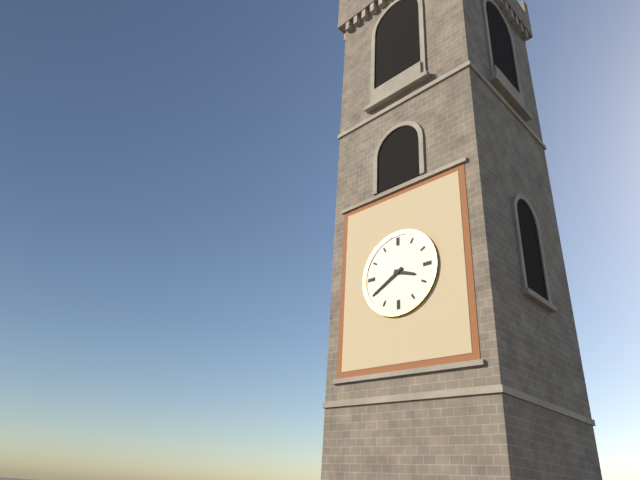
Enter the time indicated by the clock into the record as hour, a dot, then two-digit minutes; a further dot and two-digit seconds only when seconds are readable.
3.40
